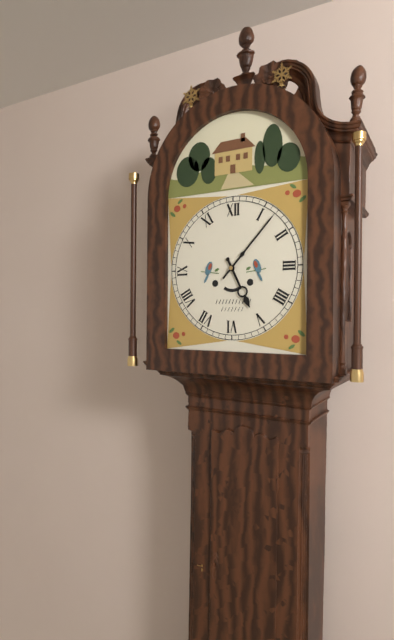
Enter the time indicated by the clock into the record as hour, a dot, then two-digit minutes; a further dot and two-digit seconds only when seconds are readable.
5.07
